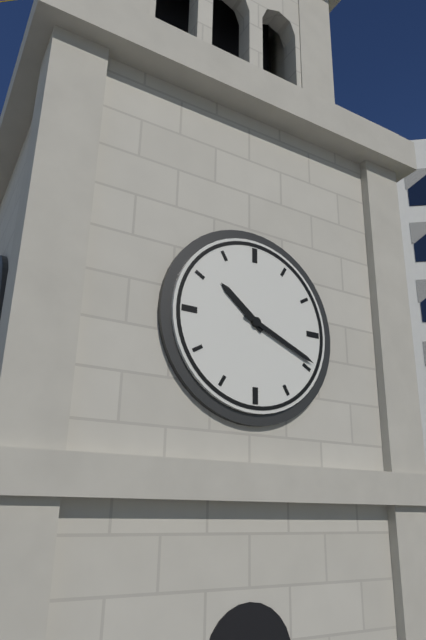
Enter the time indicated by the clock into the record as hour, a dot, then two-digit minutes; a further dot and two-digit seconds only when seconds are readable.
10.19
